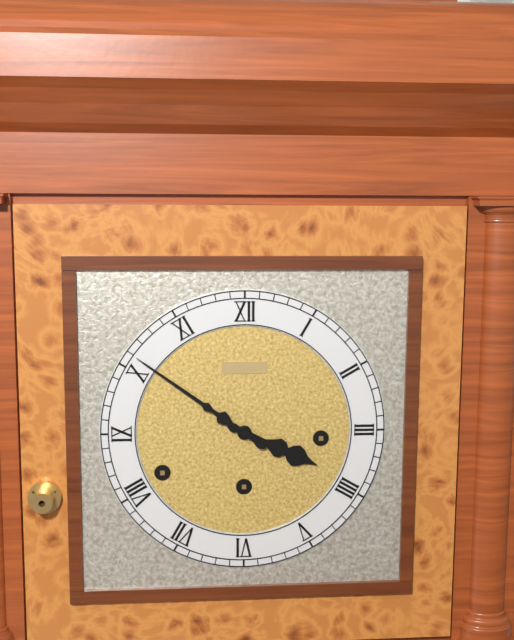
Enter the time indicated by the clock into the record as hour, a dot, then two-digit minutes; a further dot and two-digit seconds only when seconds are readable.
3.51
